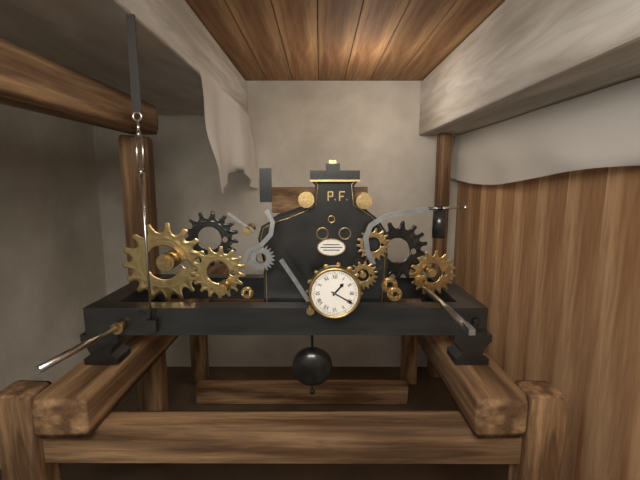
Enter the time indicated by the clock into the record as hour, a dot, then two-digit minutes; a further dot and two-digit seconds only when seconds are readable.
1.20
